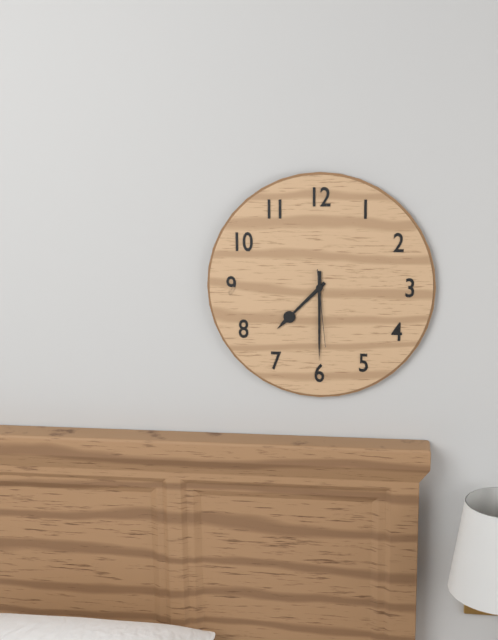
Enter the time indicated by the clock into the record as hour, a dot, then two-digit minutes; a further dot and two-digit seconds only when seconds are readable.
7.30.29
